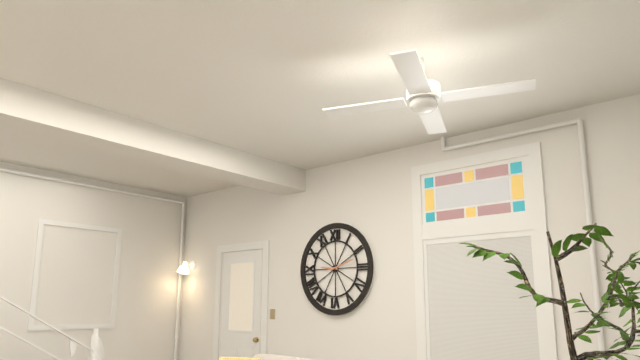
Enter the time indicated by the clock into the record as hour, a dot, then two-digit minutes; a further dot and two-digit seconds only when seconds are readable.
9.12
